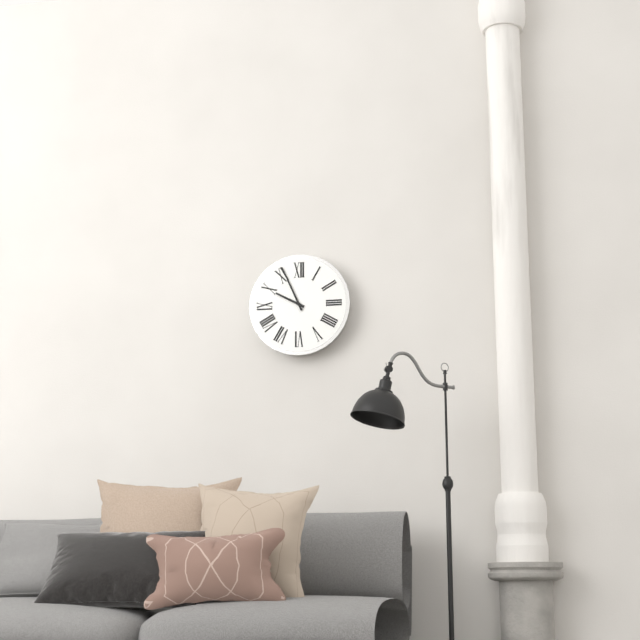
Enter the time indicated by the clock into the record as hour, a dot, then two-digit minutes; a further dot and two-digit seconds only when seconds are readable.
9.56
